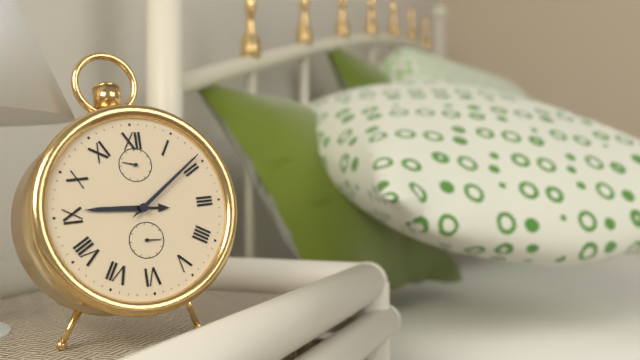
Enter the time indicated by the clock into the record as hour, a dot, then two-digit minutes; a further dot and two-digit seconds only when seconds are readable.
9.09
